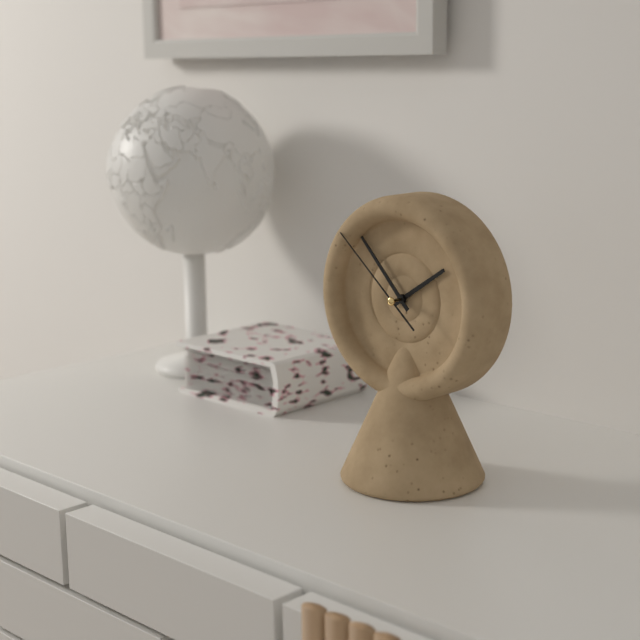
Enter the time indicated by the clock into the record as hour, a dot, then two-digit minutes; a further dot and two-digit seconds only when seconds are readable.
1.53.52
